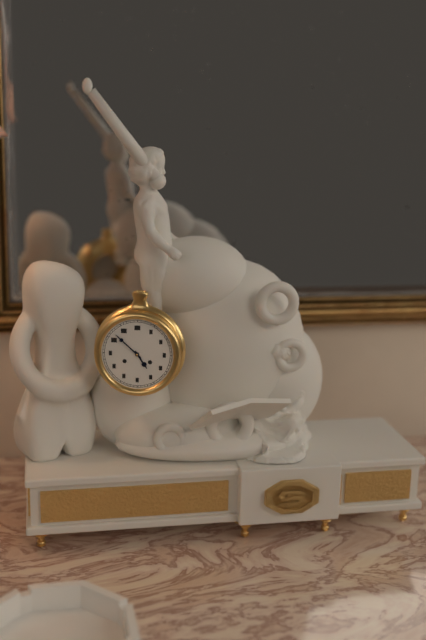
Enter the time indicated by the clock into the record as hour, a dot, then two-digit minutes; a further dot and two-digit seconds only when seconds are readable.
4.52
